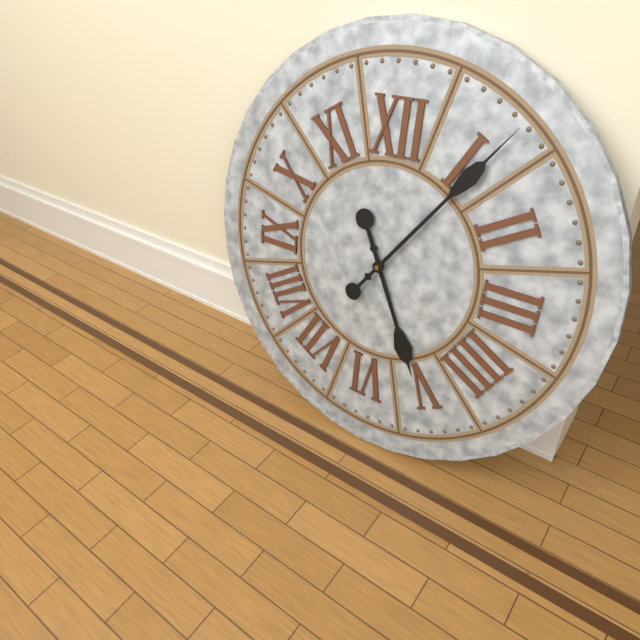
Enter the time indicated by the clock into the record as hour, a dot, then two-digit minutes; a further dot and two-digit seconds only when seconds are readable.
5.06
